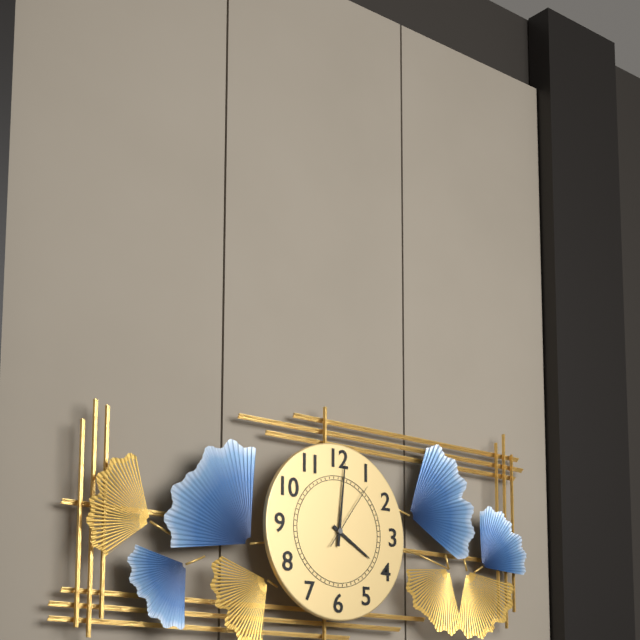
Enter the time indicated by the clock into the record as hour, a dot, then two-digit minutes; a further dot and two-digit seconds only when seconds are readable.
4.01.06
